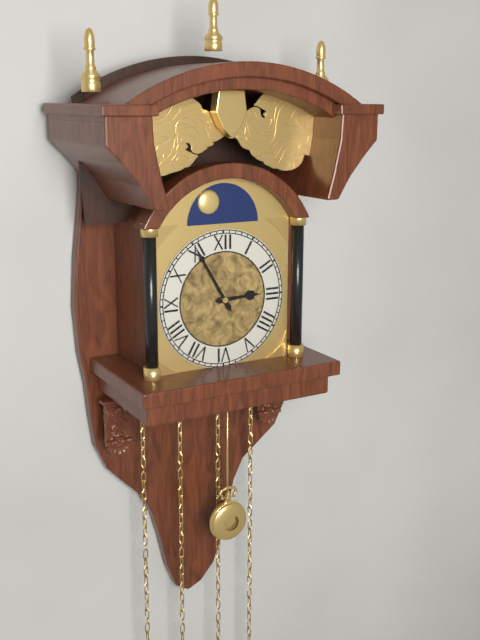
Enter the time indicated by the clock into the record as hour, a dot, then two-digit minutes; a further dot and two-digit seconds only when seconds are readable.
2.55
